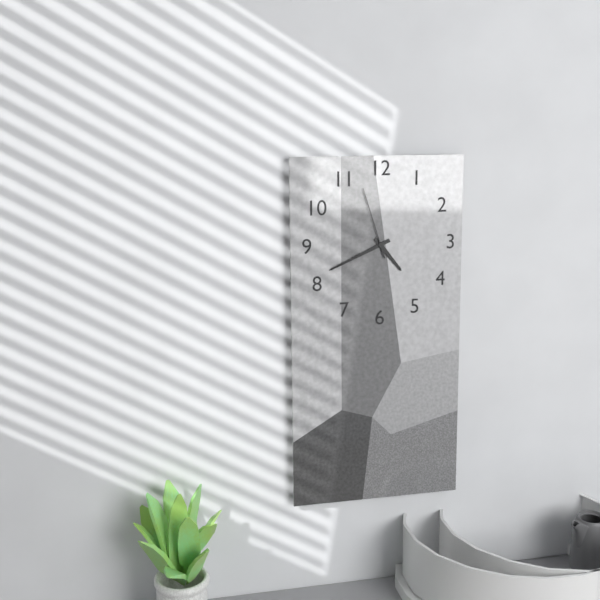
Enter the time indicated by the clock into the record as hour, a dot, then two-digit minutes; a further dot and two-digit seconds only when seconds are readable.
4.41.57
